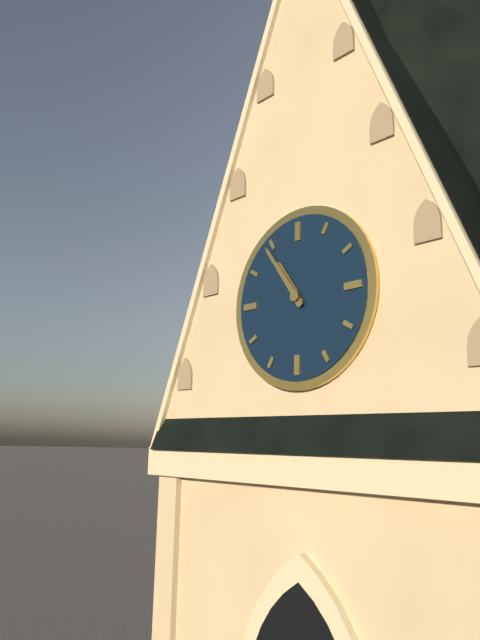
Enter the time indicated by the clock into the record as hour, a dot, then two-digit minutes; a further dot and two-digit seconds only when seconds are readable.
10.54
